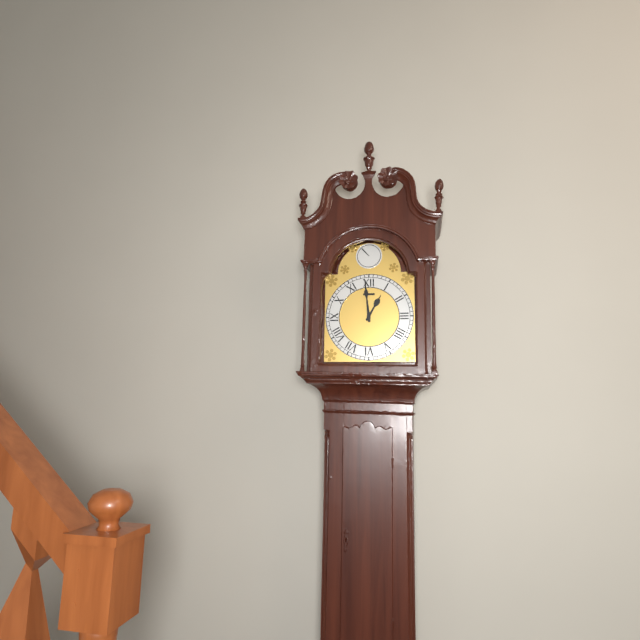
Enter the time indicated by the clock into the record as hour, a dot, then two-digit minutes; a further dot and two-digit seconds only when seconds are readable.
12.59
